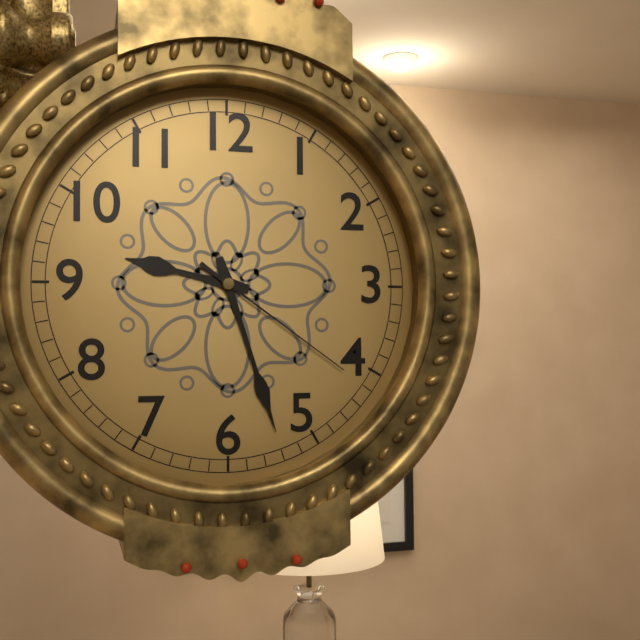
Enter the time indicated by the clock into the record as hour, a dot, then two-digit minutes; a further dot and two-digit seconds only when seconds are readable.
9.27.21
